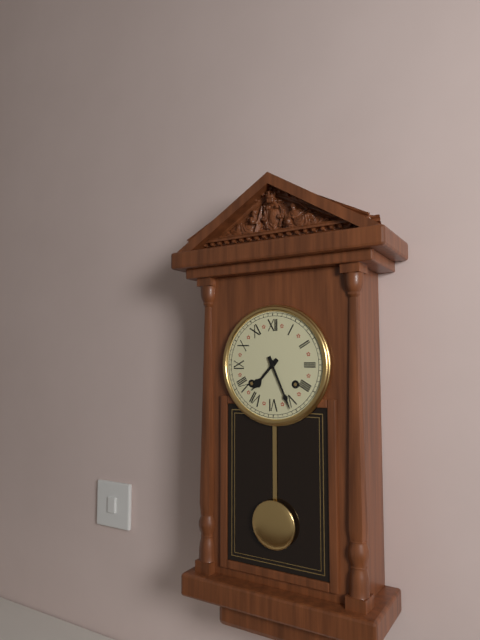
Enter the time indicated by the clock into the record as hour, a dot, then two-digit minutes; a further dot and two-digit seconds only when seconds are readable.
7.26
